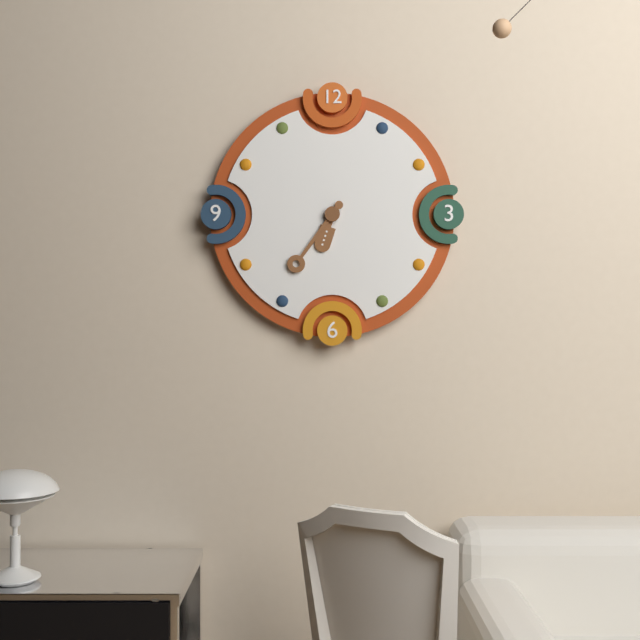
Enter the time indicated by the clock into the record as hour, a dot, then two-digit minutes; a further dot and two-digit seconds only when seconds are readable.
6.36
